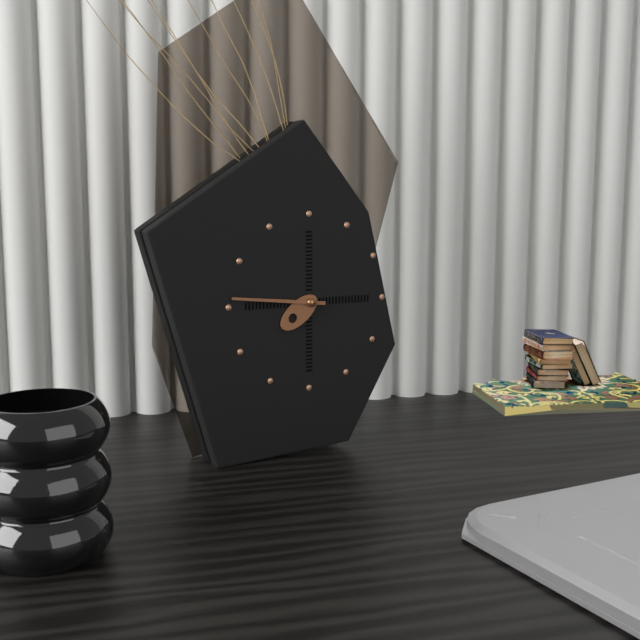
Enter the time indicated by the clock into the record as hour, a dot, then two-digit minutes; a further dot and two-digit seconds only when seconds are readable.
7.46
